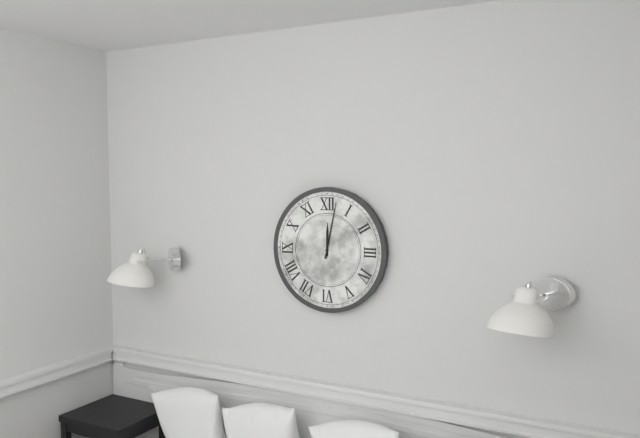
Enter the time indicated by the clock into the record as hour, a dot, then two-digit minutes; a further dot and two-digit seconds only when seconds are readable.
12.02
